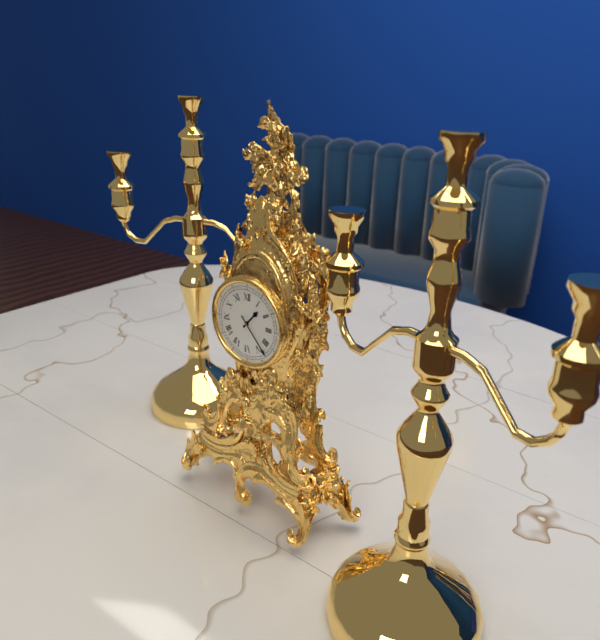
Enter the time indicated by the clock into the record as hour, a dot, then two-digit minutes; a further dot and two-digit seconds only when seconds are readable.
1.23
